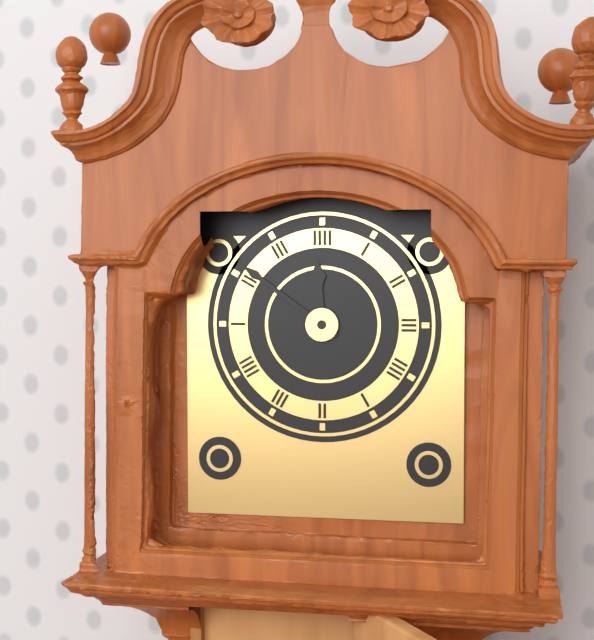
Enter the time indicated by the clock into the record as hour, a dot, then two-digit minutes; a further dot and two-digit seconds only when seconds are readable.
11.51
